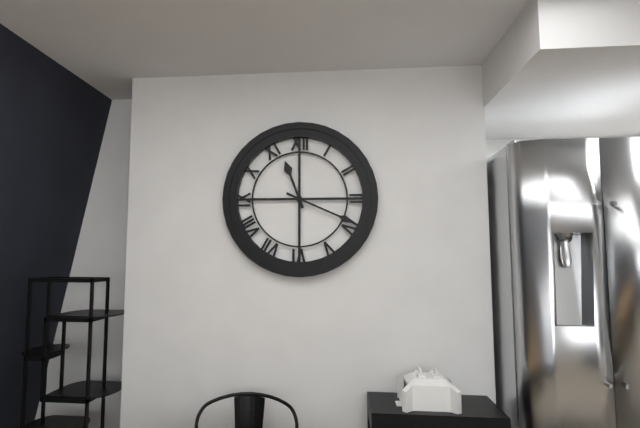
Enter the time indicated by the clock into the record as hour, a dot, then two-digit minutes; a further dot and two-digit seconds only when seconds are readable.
11.19
